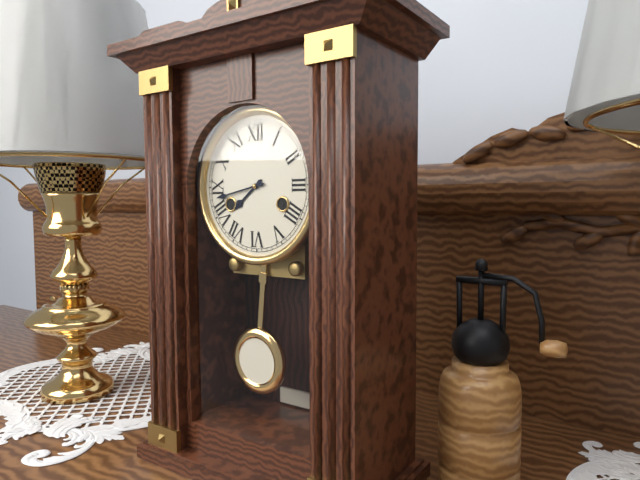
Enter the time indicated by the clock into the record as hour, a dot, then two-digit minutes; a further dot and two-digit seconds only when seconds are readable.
7.43
